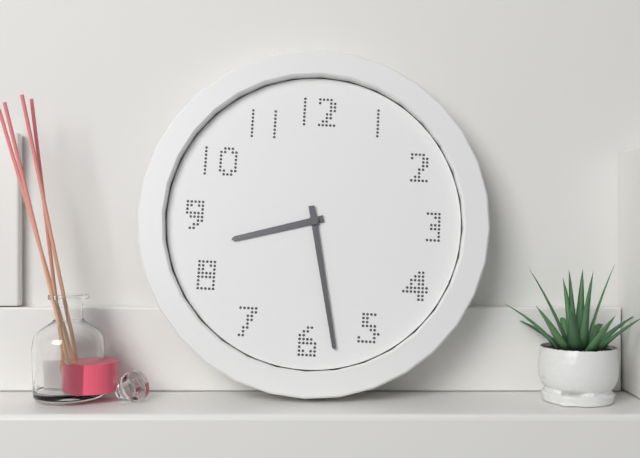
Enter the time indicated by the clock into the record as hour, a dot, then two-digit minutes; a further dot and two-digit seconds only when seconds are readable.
8.28
